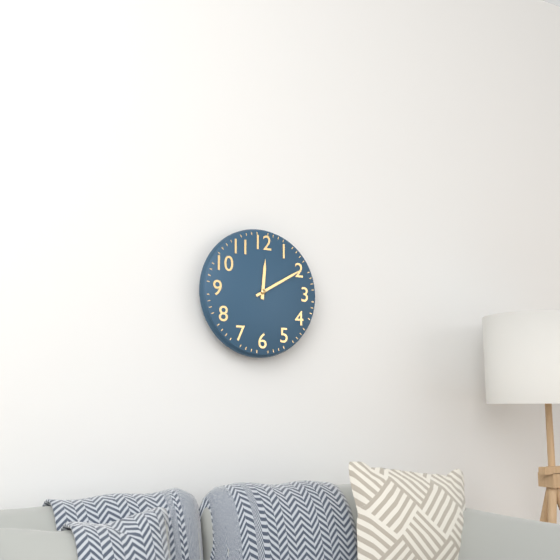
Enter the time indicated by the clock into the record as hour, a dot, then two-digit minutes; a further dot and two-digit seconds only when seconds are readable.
12.10
